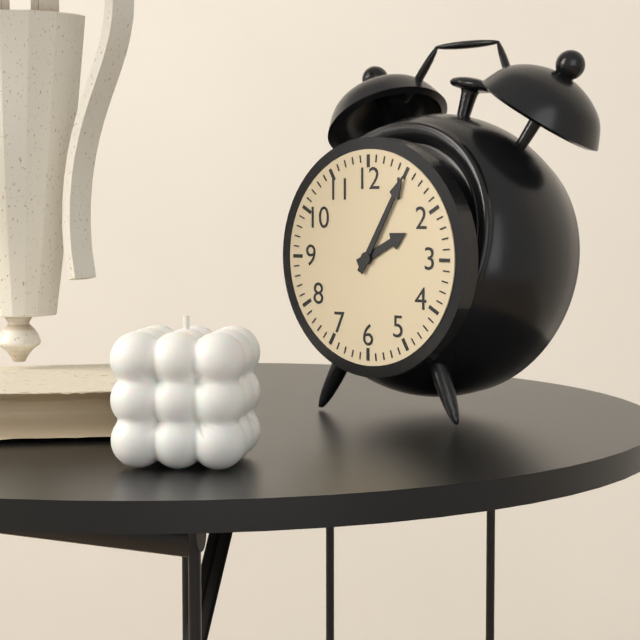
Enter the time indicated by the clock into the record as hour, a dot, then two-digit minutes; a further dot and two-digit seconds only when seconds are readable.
2.05
